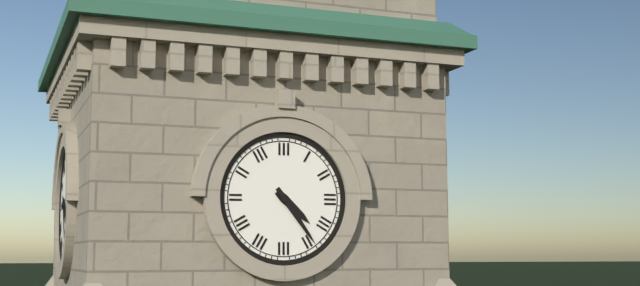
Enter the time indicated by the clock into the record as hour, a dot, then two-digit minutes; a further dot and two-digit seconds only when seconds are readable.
4.24
